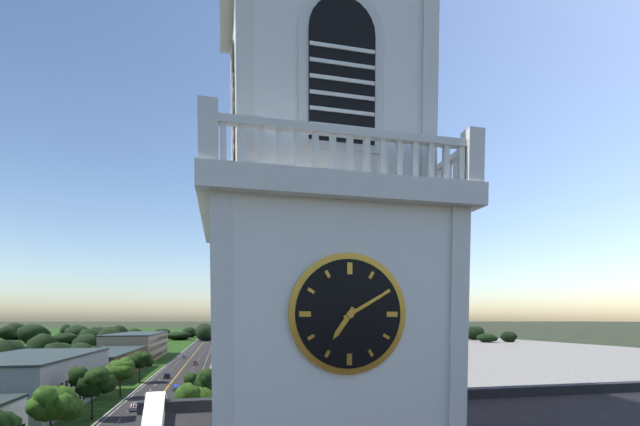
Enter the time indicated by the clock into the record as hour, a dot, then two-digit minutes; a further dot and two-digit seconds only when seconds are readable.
7.10
